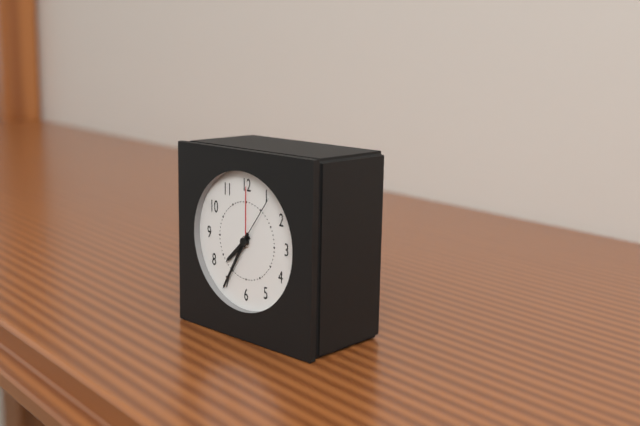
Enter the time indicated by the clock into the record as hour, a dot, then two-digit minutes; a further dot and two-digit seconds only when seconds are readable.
7.35.06
